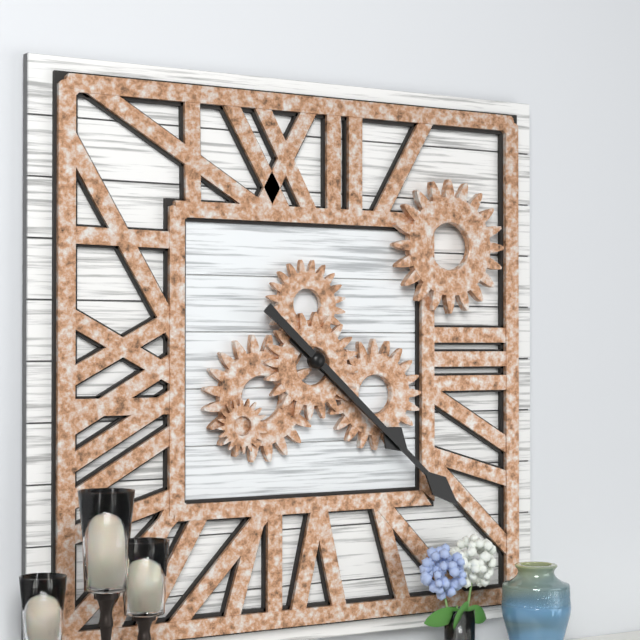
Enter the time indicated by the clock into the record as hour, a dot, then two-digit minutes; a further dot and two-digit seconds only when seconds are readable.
4.22
